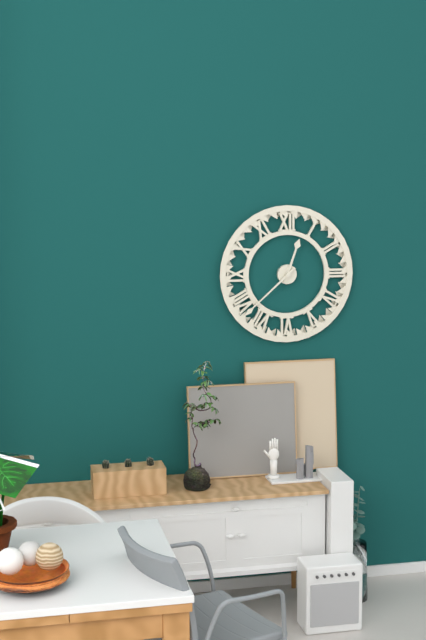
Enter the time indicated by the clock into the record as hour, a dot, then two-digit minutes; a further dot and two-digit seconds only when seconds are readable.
12.38
